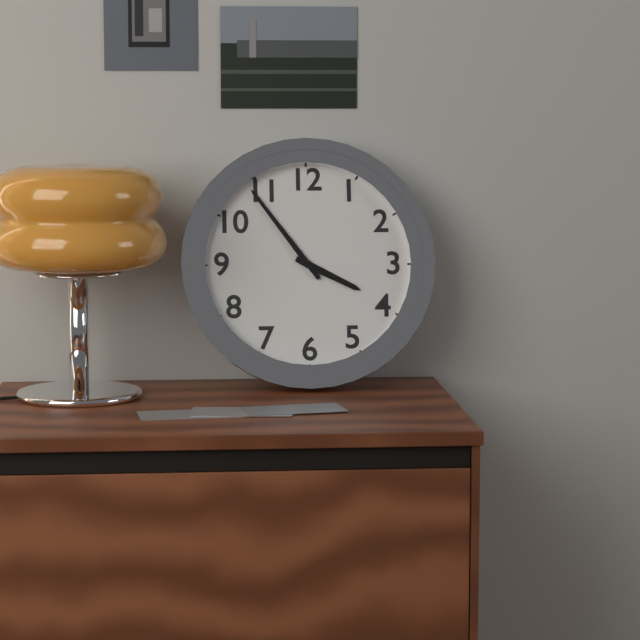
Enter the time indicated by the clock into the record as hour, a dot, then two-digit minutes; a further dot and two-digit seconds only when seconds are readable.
3.54
